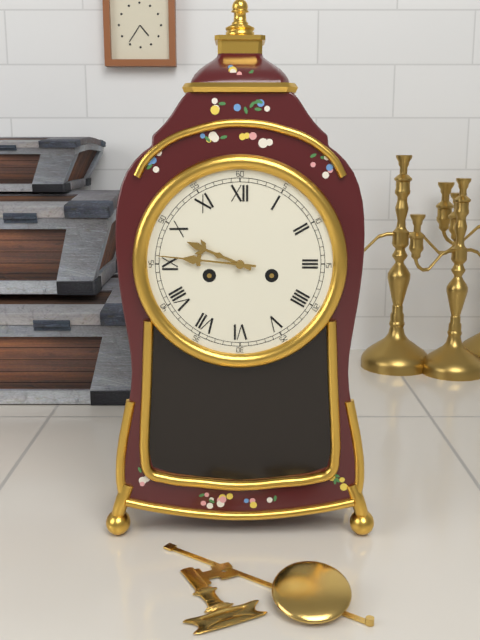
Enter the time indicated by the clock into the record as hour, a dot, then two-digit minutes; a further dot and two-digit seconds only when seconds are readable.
9.46
